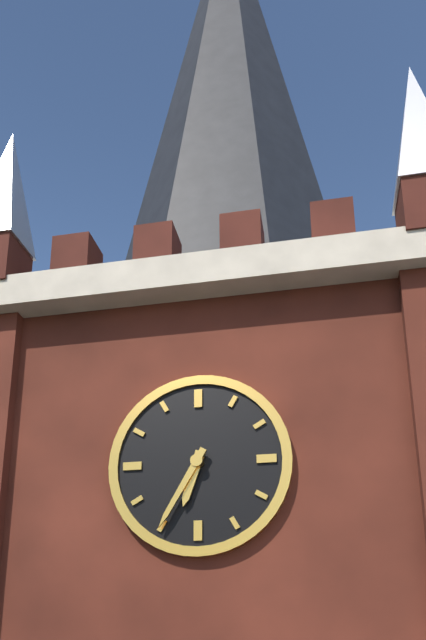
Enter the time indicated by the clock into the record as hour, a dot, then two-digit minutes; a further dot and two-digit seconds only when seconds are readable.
6.35
